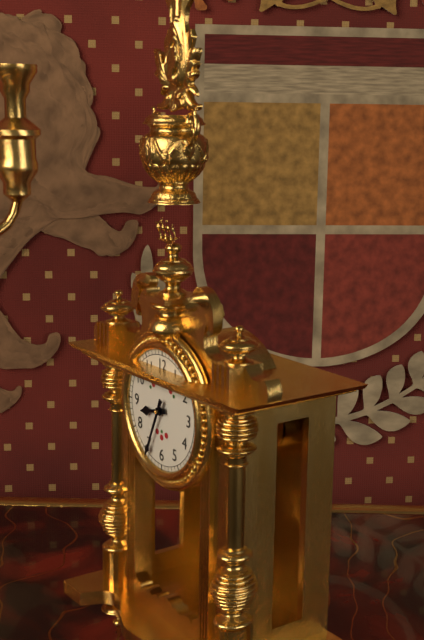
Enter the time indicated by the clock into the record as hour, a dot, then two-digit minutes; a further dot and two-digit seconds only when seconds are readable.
8.34
